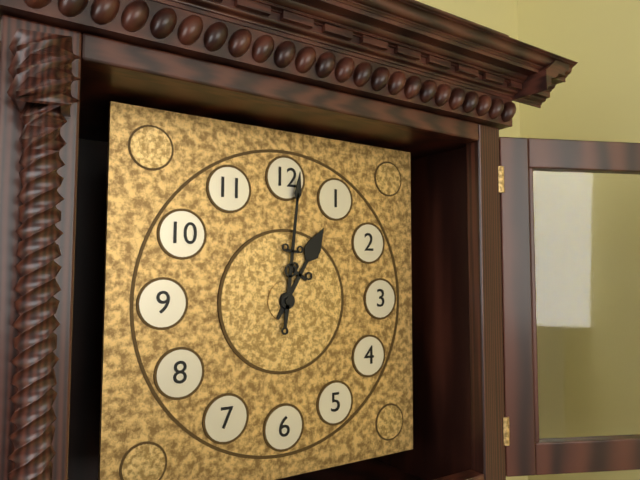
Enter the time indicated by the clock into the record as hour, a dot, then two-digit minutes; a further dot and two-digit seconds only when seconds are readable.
1.01
